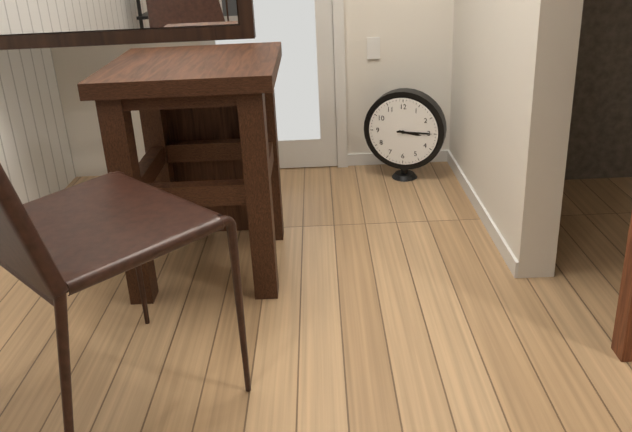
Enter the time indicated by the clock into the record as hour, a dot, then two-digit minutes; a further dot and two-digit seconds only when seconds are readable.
3.15
